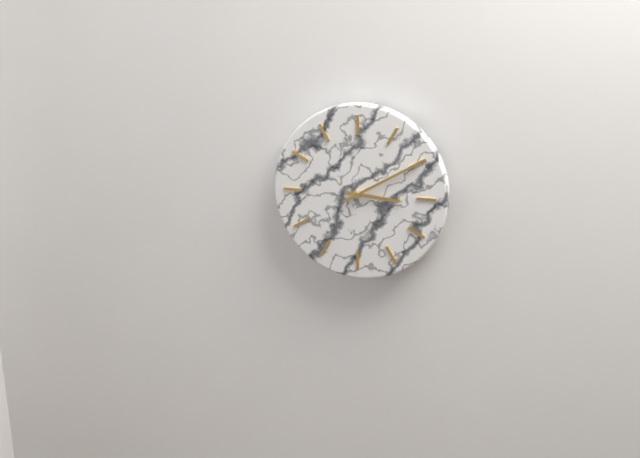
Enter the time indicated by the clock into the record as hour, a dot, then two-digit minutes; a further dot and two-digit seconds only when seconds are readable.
3.10
